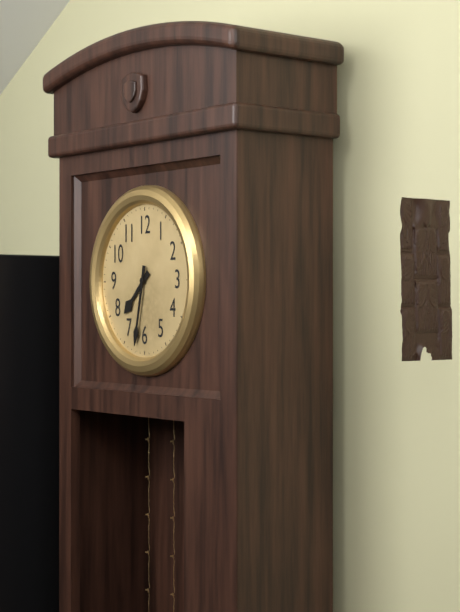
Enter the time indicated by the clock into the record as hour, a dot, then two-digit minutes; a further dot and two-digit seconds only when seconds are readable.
7.32
